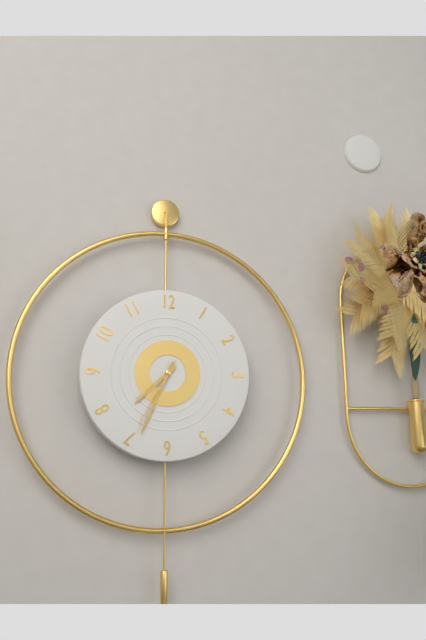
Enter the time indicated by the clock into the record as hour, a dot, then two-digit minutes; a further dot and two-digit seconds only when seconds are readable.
7.34.35
